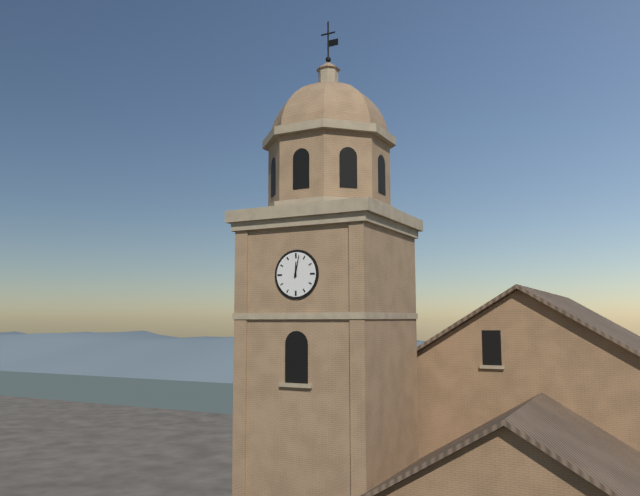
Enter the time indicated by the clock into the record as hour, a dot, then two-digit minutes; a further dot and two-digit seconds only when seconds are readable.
12.02
